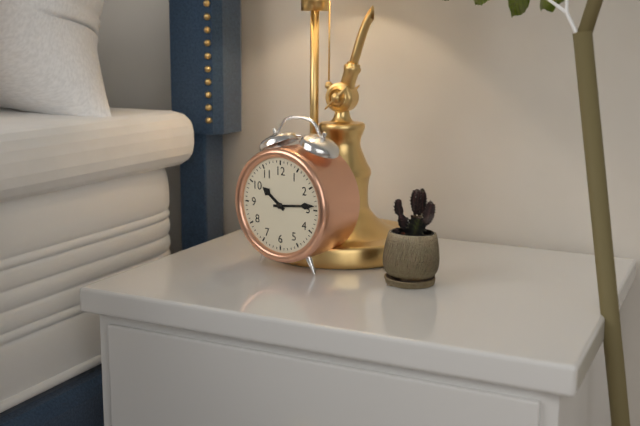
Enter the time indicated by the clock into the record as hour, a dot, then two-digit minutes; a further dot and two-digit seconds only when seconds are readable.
10.14
